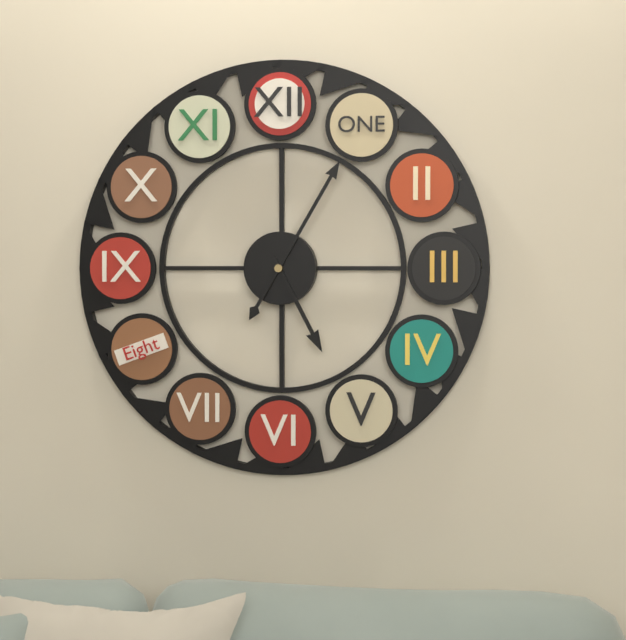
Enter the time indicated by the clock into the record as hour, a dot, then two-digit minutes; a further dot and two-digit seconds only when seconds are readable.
5.05
